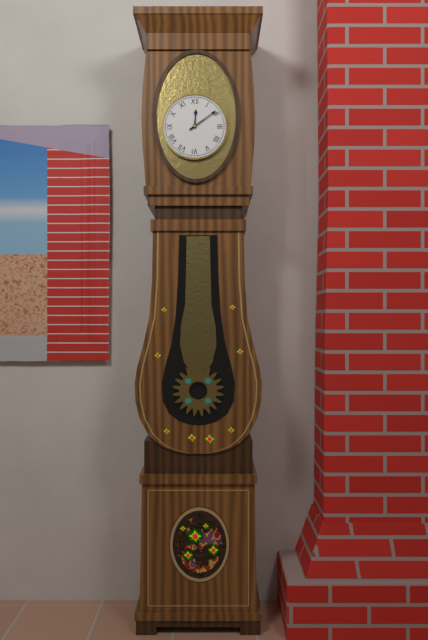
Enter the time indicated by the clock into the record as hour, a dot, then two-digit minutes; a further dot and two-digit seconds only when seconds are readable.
12.09
